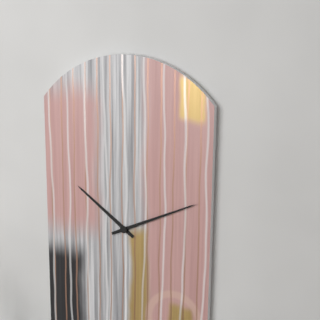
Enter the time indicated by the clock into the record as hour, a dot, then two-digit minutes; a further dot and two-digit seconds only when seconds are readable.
10.11
